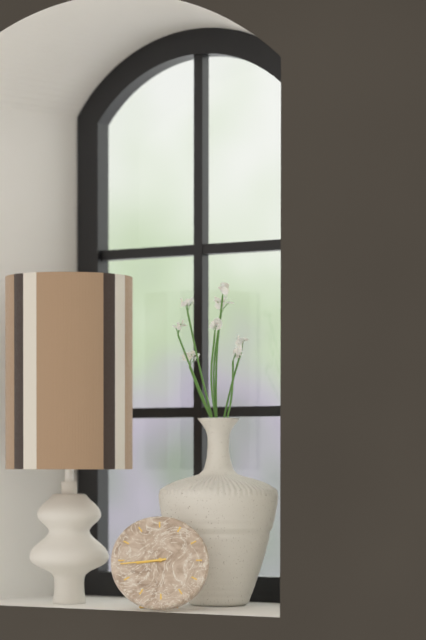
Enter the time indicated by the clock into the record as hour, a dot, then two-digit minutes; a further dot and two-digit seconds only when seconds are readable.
8.44
